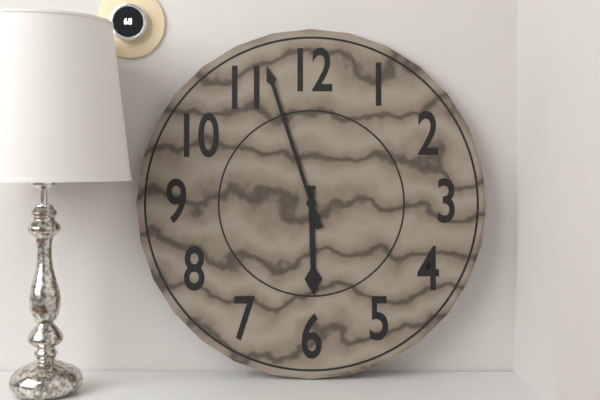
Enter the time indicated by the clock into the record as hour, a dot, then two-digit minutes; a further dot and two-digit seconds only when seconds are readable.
5.57
